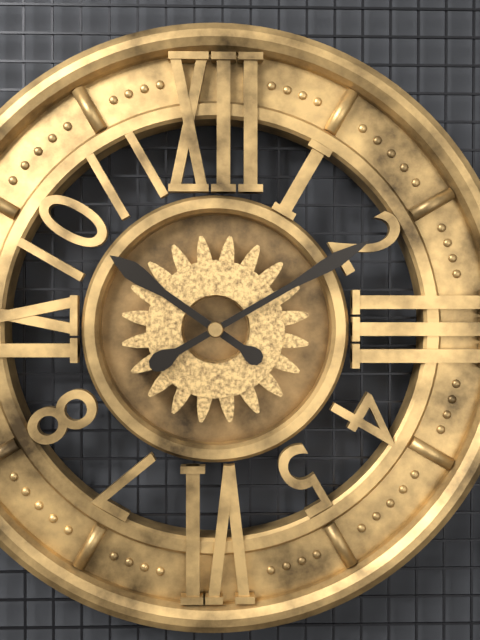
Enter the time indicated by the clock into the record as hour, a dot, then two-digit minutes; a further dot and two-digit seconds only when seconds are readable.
10.10
